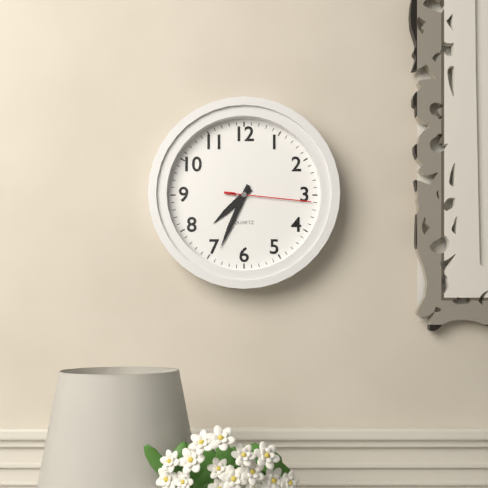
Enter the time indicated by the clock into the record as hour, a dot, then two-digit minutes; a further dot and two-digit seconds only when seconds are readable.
7.34.16
